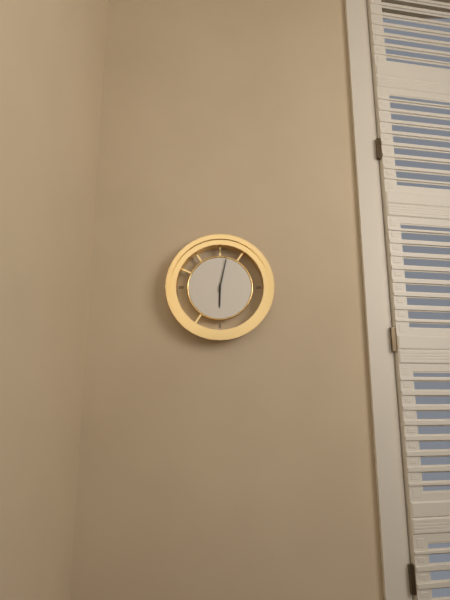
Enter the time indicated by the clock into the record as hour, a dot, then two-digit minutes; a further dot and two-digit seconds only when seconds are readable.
6.02
